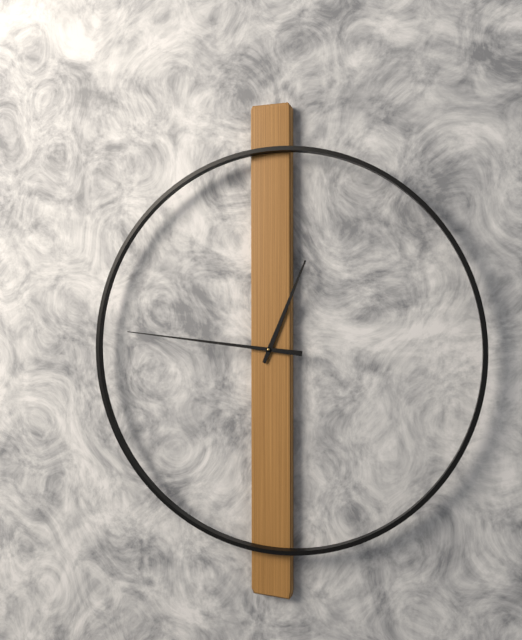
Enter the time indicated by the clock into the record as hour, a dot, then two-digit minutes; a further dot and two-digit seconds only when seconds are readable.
12.46
